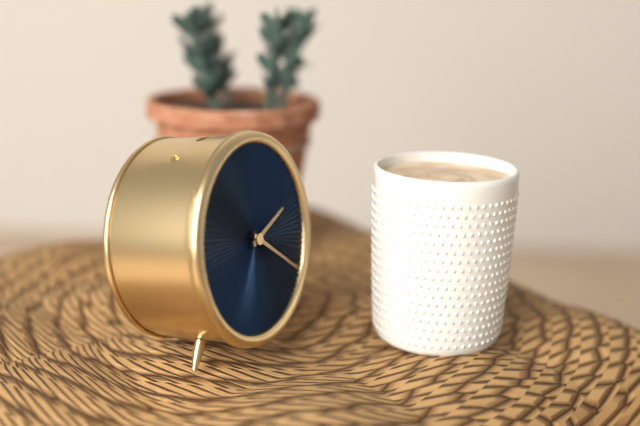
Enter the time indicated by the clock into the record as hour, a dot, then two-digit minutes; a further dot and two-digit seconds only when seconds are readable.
2.21
